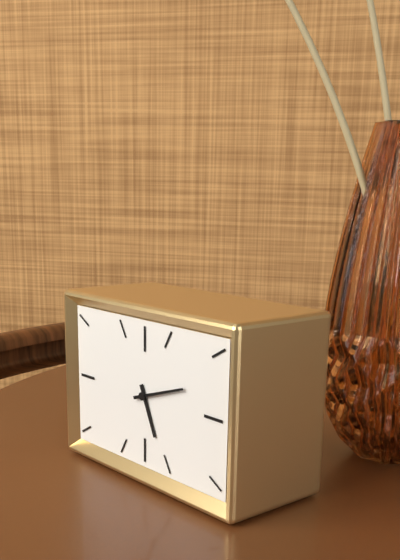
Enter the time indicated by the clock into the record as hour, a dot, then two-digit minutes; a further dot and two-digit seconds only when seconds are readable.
5.12
